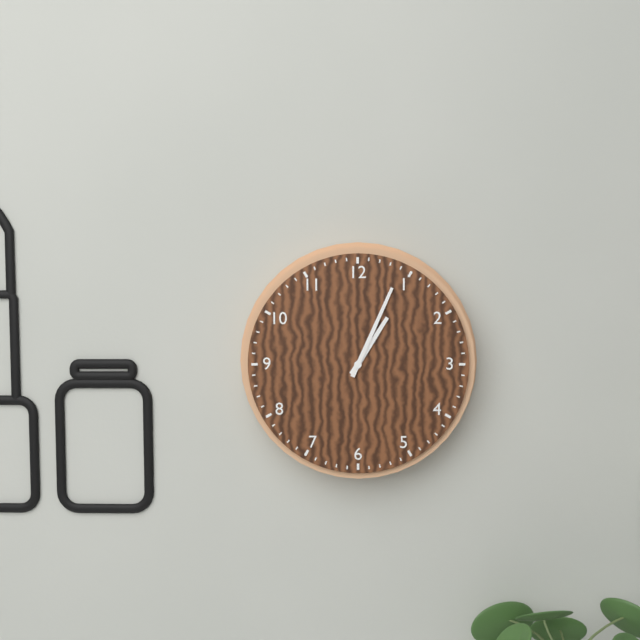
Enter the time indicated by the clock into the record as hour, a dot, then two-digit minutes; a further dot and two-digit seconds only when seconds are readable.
1.04
